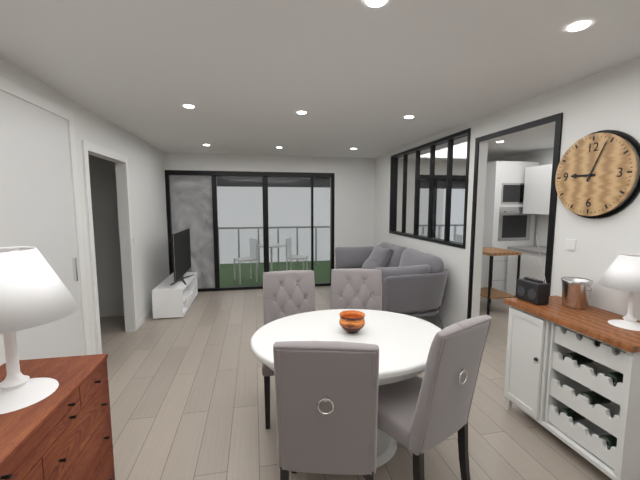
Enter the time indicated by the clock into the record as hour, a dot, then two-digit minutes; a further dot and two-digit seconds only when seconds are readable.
9.04
